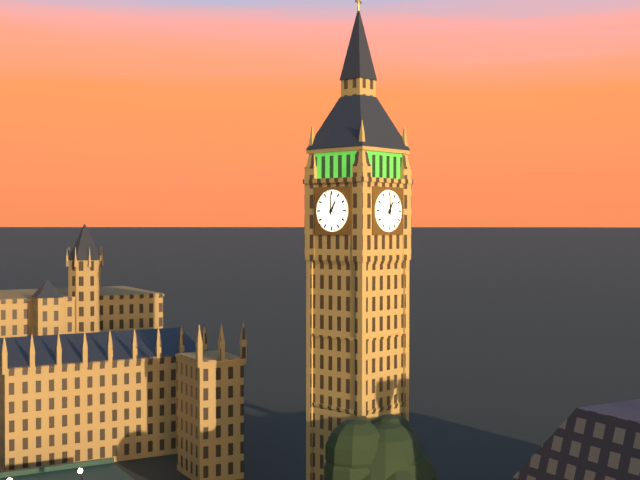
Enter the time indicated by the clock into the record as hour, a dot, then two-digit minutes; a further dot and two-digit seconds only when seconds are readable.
1.00
